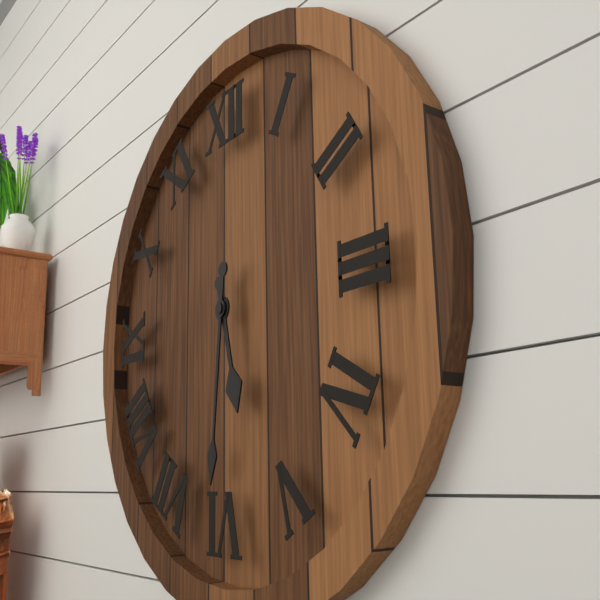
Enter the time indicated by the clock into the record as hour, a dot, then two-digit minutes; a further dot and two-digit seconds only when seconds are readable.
5.31
